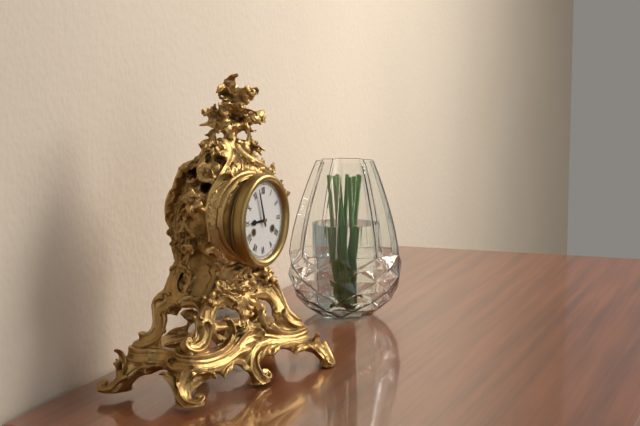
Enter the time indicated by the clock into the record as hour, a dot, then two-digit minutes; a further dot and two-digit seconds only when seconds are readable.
8.57
